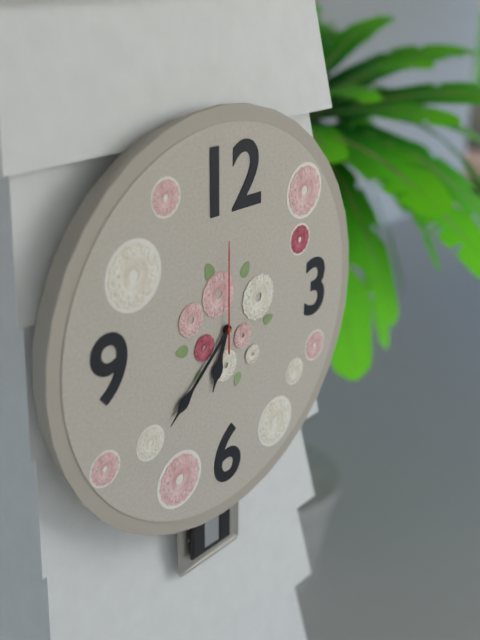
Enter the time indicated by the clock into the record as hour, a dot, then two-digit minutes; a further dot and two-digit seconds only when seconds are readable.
6.38.00
